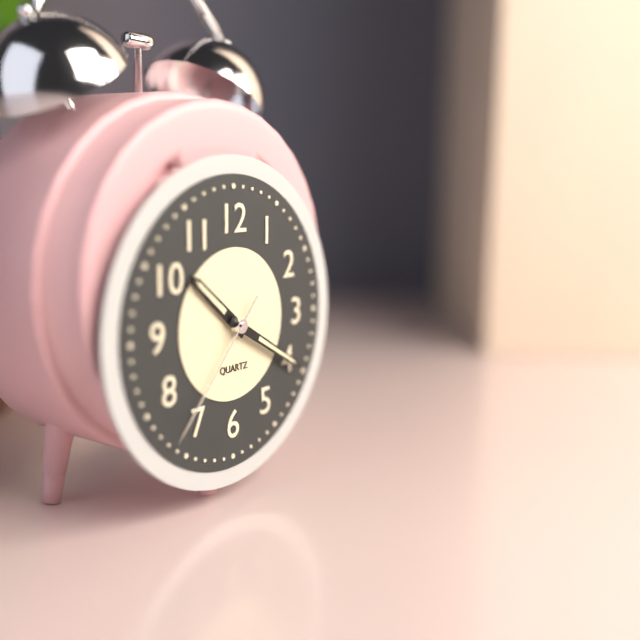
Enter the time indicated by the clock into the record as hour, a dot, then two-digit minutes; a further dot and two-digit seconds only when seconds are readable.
10.20.37
